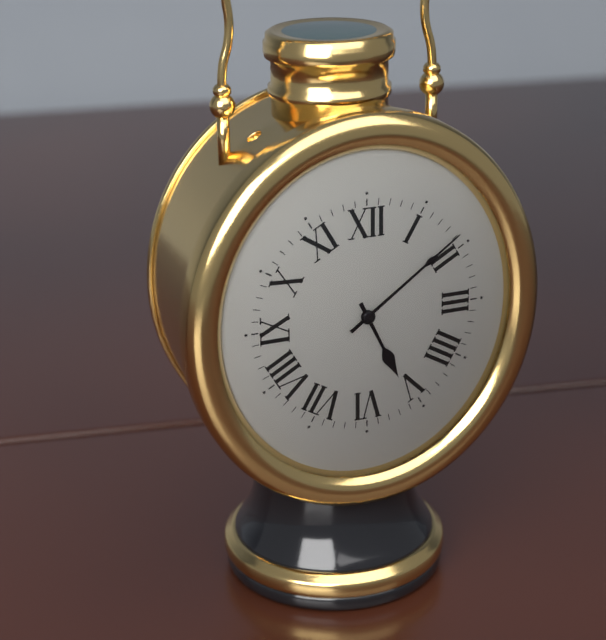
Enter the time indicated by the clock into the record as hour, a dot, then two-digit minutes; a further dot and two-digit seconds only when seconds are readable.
5.09
